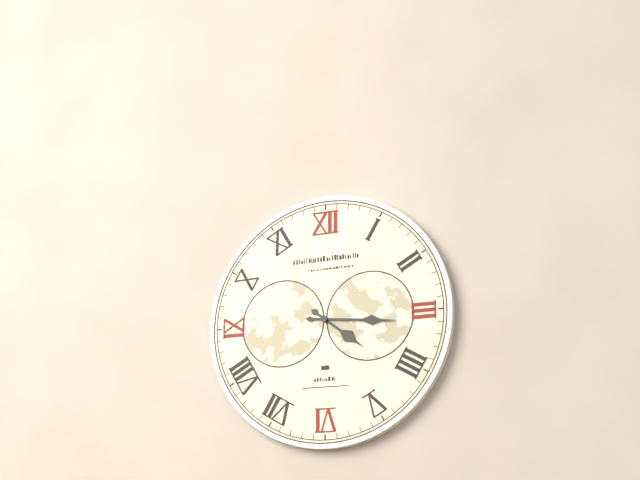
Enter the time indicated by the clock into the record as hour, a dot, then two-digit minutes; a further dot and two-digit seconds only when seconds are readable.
4.16
